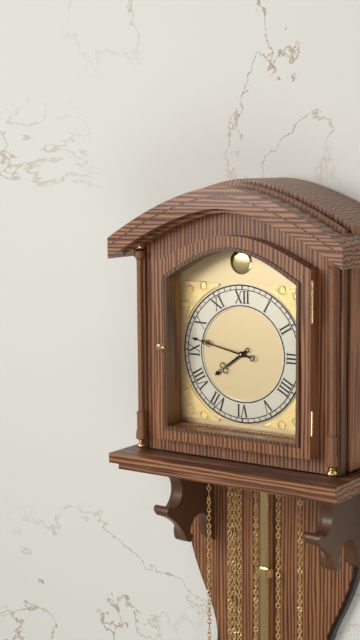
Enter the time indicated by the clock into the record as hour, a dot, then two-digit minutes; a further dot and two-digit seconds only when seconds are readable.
7.47
